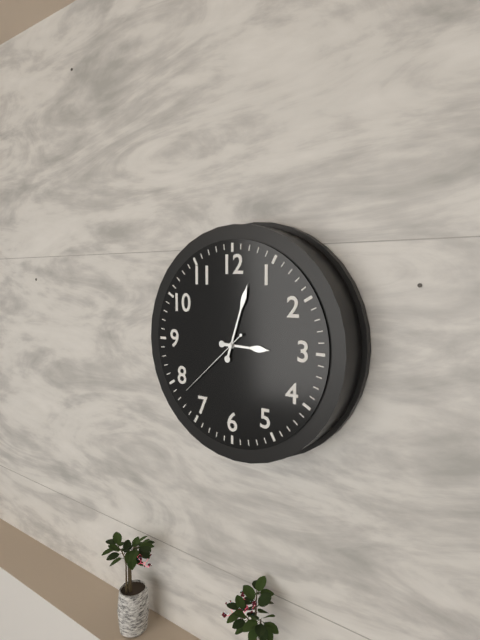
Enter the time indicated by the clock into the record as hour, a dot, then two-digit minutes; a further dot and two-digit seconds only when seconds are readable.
3.03.38
